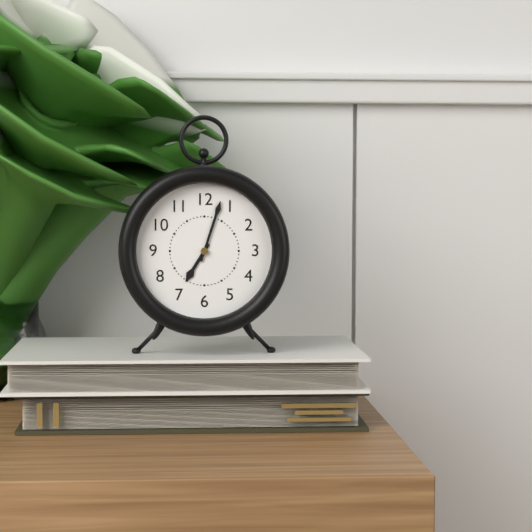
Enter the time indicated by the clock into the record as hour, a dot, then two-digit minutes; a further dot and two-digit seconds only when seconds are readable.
7.03
